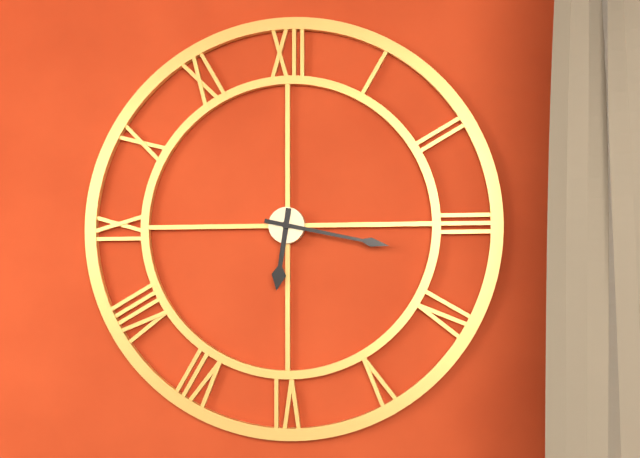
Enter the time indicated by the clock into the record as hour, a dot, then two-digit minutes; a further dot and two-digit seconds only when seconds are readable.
6.17
